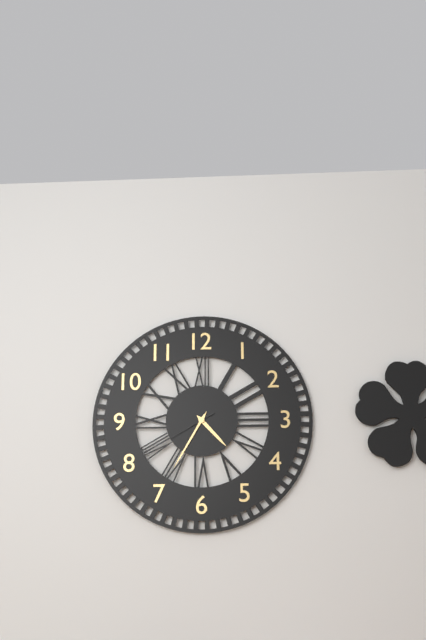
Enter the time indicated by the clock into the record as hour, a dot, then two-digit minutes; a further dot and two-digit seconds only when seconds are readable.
4.35.40
